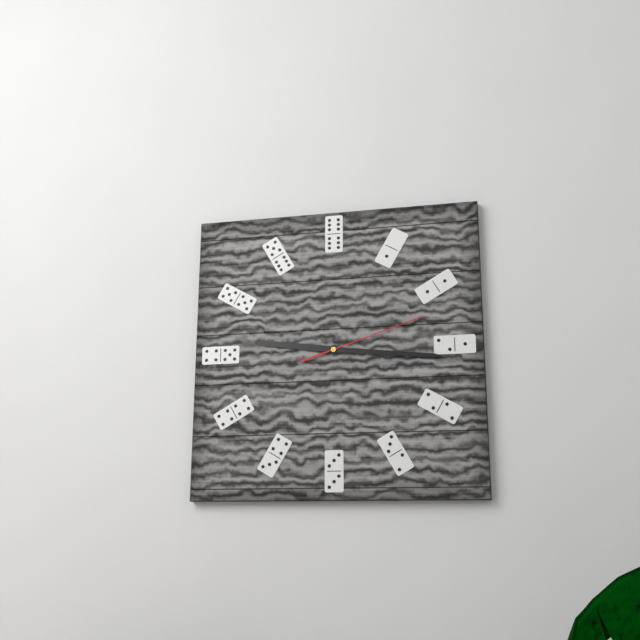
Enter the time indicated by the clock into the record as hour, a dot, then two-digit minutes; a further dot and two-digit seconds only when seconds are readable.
9.16.12
